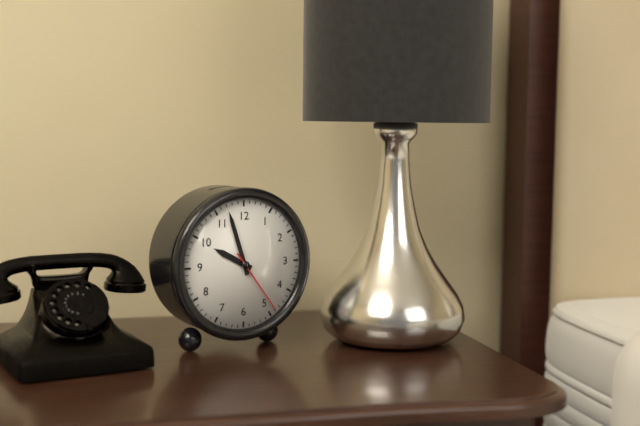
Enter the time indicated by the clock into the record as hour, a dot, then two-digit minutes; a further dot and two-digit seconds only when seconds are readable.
9.57.24
